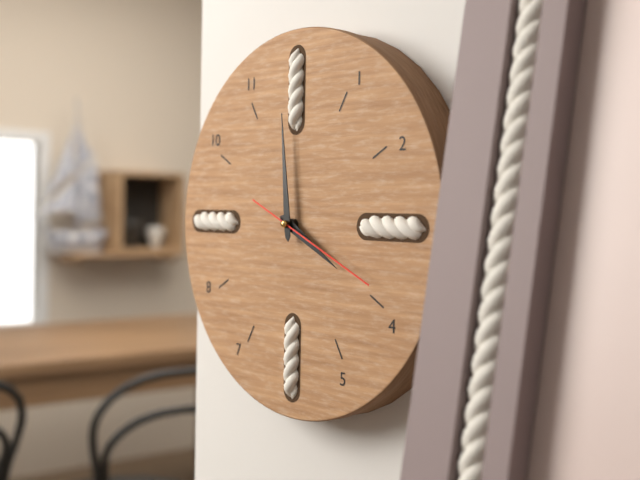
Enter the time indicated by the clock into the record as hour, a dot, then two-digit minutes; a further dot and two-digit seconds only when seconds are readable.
3.59.19
